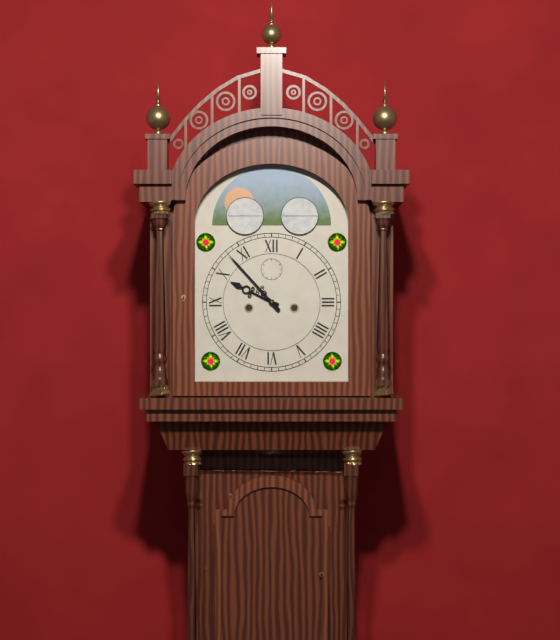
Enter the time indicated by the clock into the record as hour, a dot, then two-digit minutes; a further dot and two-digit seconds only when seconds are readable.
9.53
